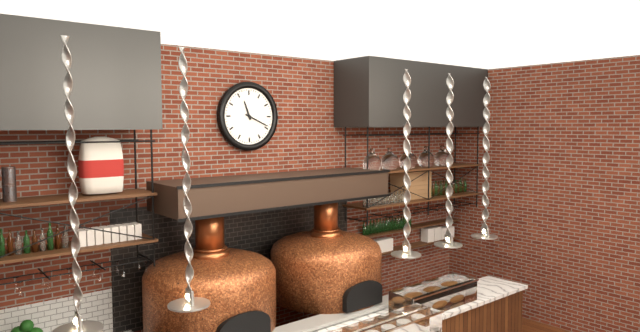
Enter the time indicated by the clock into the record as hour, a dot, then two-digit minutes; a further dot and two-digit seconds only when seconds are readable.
11.19
